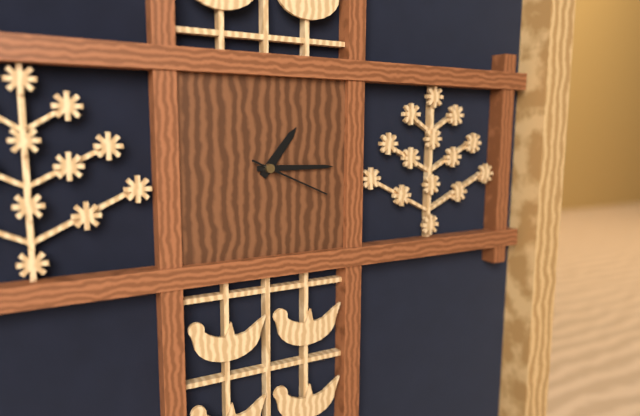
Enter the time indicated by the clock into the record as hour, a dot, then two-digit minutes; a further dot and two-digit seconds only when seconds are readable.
1.15.19
